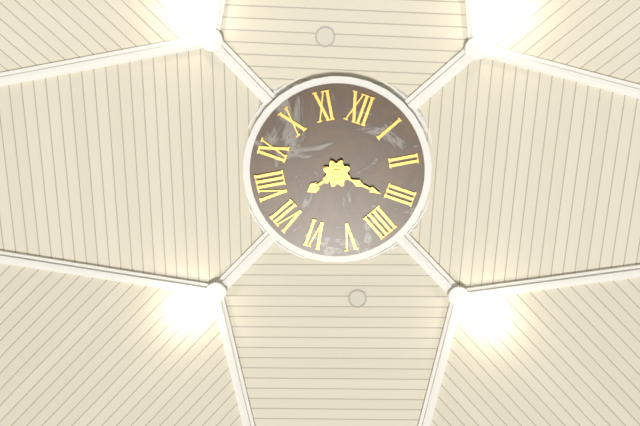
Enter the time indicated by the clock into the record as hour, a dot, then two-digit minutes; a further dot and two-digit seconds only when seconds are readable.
7.16
